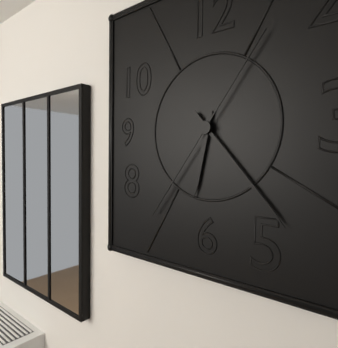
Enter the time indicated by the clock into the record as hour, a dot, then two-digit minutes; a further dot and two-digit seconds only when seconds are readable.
6.23.36
